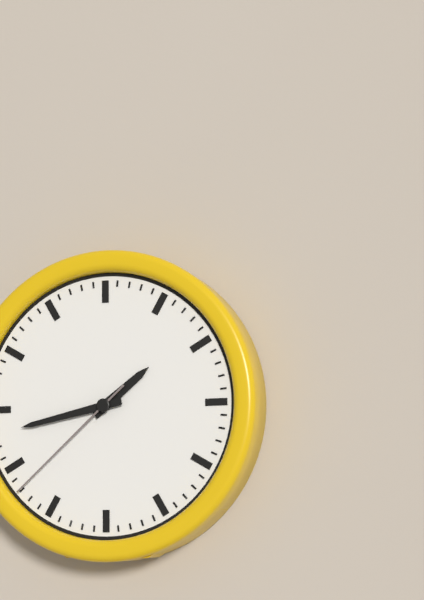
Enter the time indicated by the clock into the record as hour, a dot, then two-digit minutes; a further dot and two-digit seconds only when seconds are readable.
1.43.38
